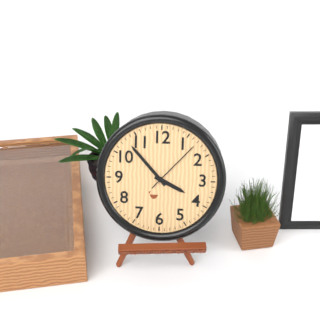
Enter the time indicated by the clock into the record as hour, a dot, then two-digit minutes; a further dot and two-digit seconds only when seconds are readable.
3.53.07
